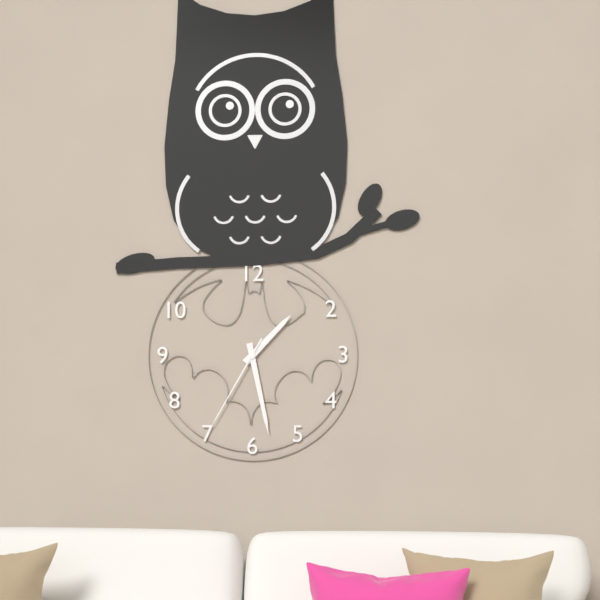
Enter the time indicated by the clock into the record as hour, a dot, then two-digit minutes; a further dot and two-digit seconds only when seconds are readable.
1.28.35
